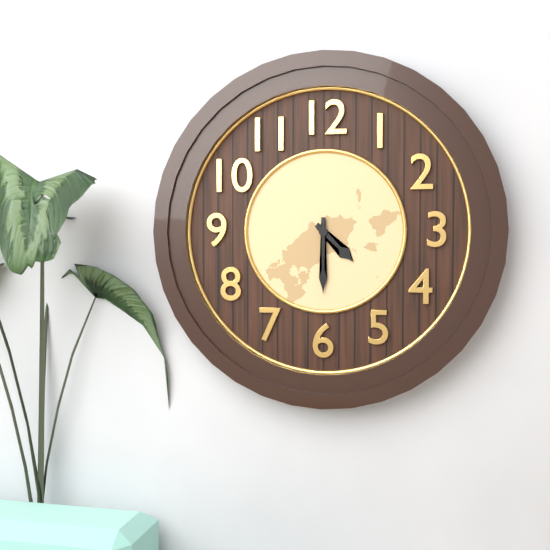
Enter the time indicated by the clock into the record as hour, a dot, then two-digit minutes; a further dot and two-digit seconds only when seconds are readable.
4.30
